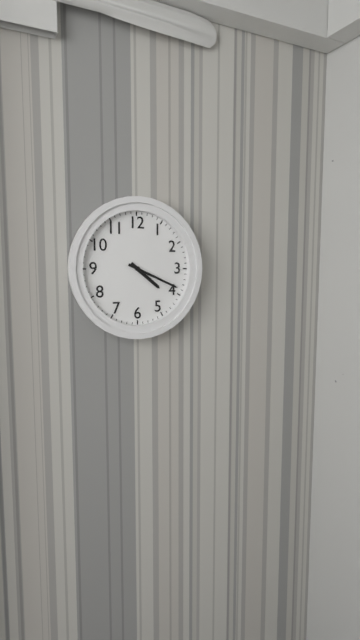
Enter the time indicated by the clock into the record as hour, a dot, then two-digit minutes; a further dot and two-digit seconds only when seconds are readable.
4.19
